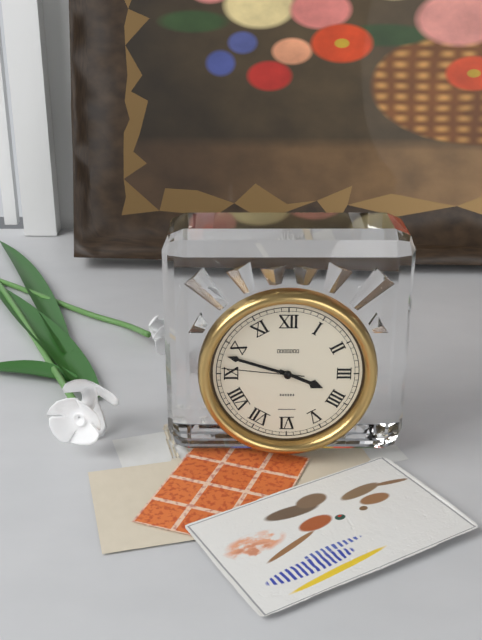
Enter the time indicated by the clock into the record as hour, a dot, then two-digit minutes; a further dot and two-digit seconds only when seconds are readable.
3.48.46
